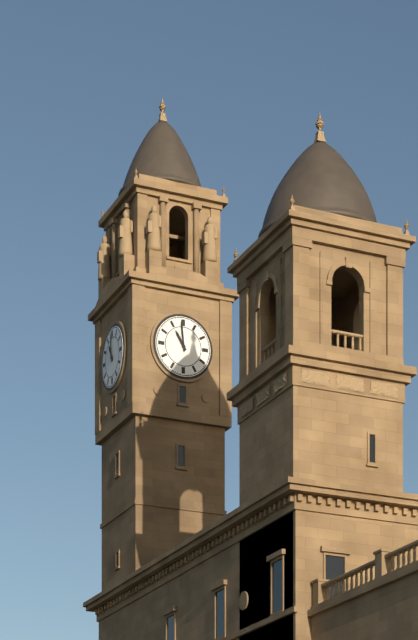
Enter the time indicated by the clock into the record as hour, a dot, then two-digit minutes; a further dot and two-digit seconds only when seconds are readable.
10.59
